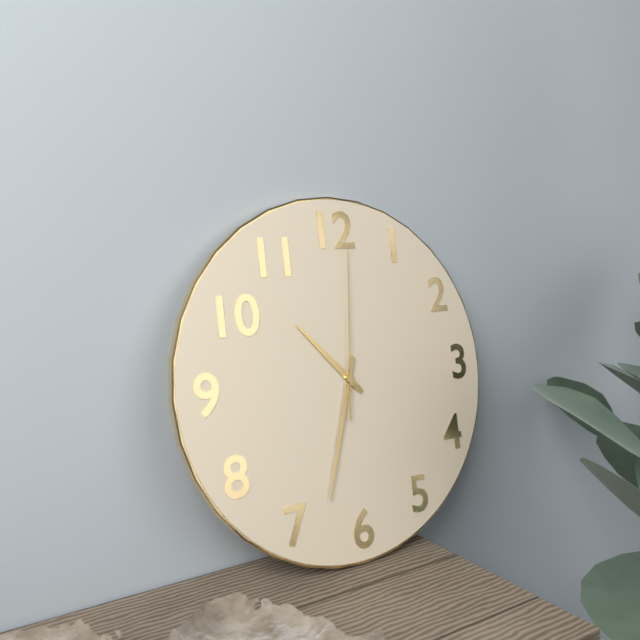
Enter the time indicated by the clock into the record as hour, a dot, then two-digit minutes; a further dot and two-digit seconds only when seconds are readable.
10.33.01
